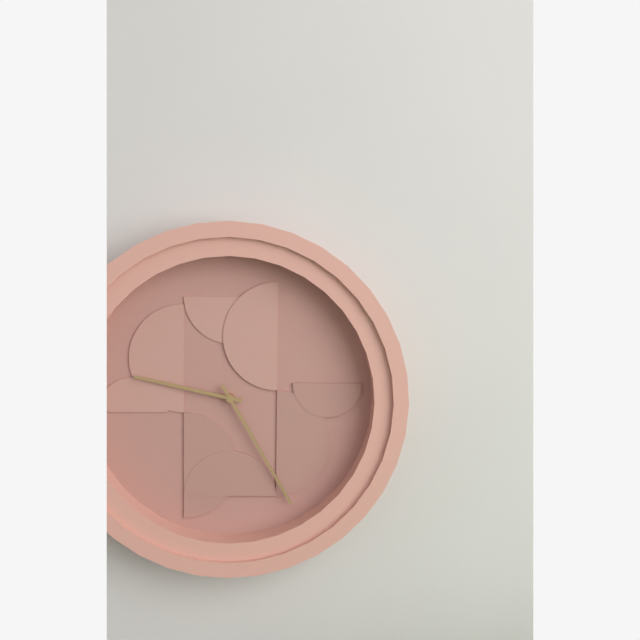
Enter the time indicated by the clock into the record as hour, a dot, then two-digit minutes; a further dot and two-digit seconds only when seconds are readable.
9.25
